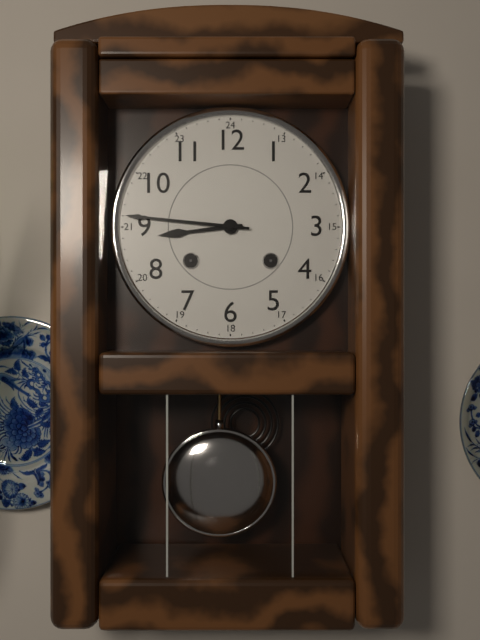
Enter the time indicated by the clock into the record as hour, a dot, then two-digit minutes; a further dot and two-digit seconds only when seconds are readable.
8.46
